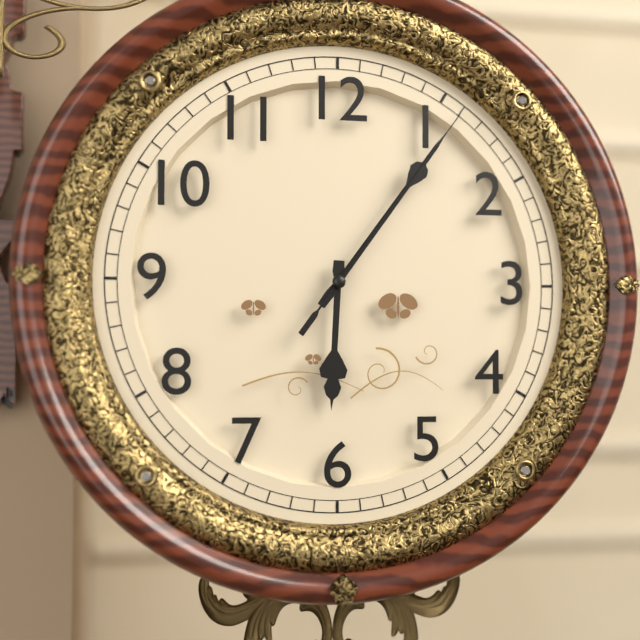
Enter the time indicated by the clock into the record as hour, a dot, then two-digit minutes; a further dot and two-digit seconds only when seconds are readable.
6.06.06
